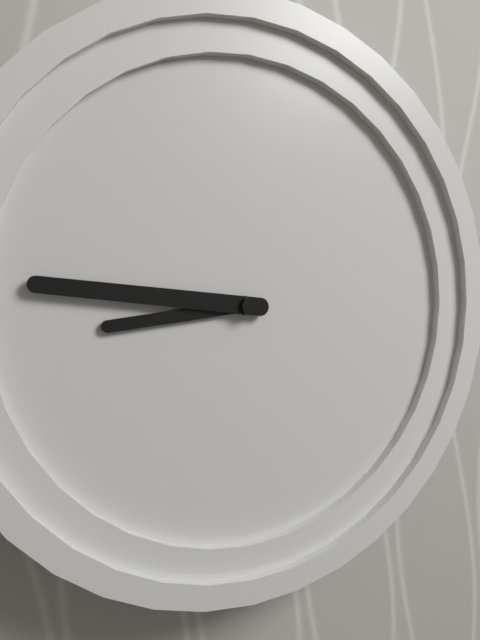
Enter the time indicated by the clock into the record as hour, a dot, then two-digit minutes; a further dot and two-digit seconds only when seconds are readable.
8.46
